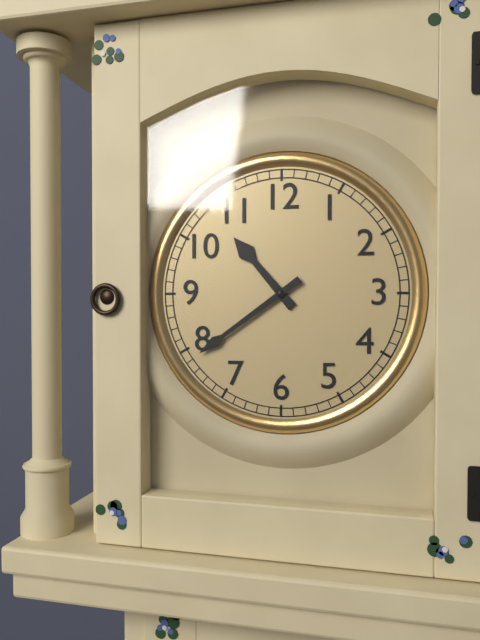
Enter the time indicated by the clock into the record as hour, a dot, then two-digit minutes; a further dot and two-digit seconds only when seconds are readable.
10.39
